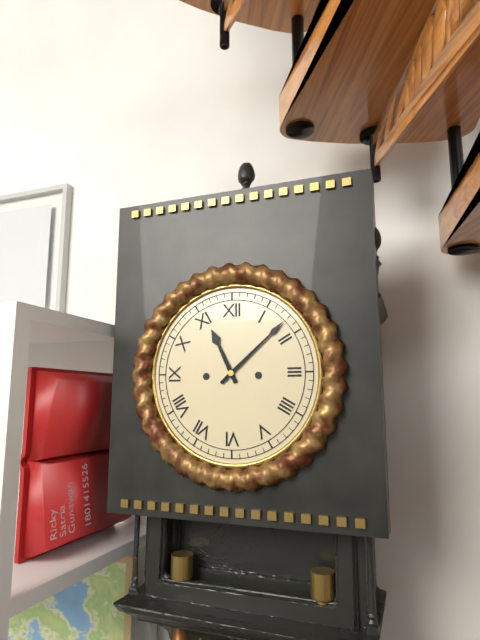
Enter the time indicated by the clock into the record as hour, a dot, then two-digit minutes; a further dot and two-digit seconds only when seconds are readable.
11.08
